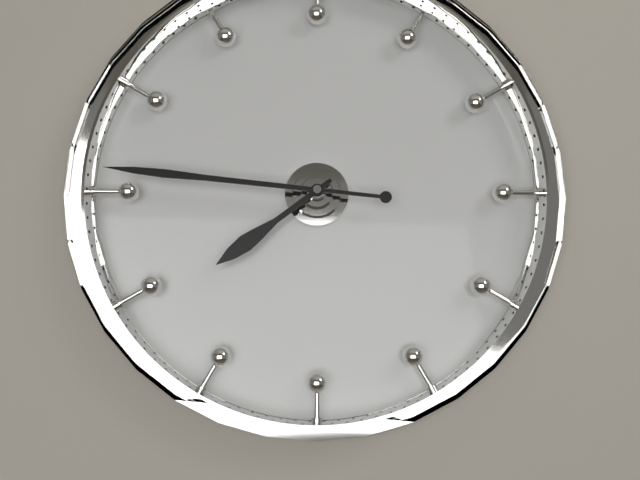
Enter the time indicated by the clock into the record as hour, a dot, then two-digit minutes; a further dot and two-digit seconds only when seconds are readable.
7.46
